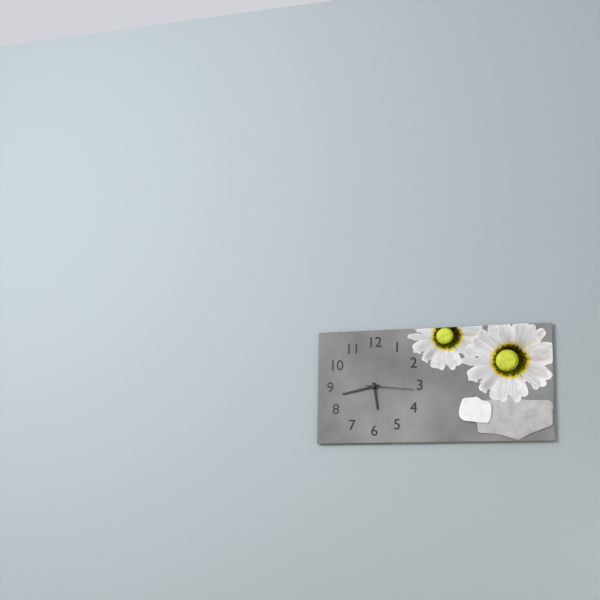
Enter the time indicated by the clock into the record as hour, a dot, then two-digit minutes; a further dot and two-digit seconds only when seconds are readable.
5.43
